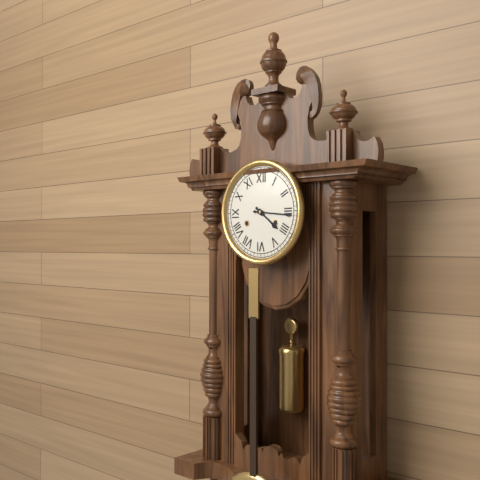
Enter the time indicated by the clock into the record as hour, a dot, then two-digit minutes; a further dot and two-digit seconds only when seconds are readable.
4.16
